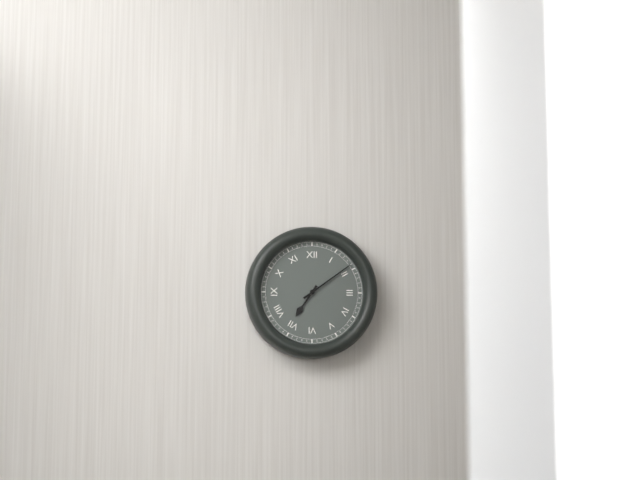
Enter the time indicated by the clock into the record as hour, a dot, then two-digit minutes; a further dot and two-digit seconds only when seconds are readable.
7.09
